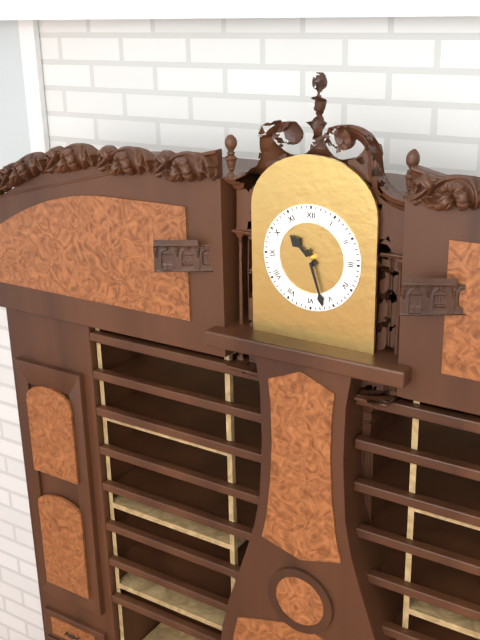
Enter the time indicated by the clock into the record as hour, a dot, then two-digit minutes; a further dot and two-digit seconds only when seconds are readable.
10.27
